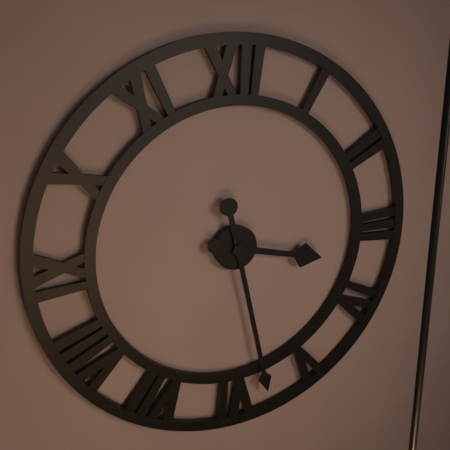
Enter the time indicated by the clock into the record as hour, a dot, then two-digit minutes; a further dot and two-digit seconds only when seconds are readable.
3.28
